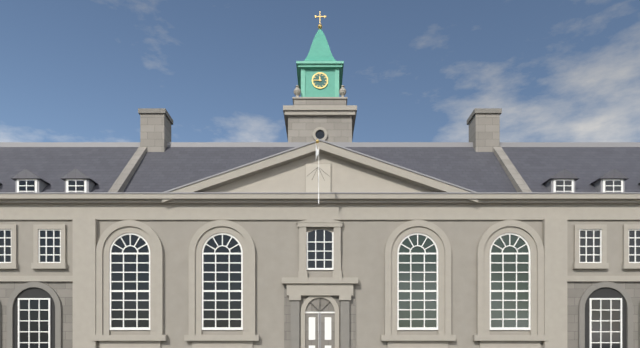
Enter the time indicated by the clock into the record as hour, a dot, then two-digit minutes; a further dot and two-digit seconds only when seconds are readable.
11.45
